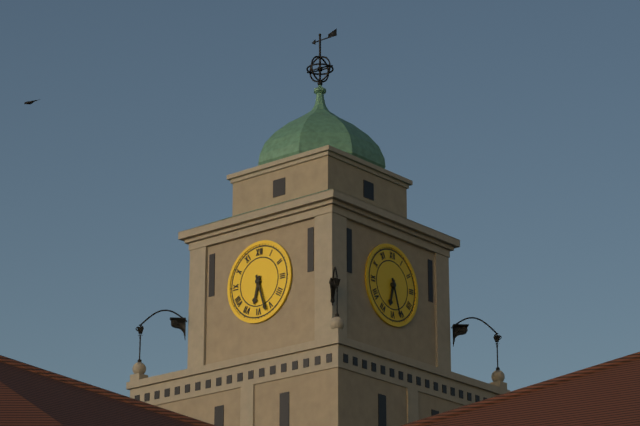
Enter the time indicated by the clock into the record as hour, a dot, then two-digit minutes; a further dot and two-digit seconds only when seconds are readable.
6.27
